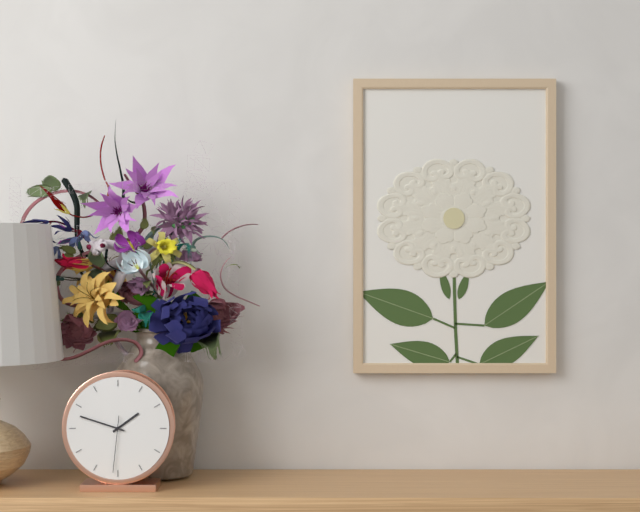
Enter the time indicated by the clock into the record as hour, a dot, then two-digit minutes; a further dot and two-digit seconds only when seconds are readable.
1.48.31
